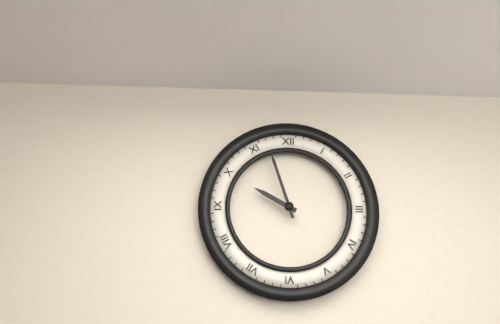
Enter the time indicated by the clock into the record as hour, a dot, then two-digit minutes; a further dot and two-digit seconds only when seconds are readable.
9.57
